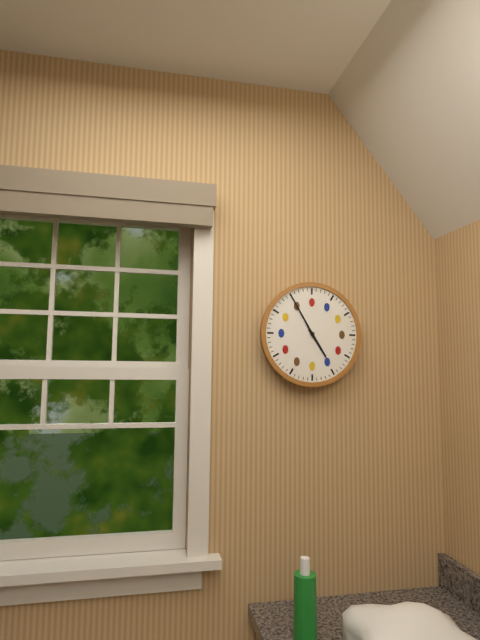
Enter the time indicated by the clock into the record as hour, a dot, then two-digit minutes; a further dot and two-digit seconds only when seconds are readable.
4.55
